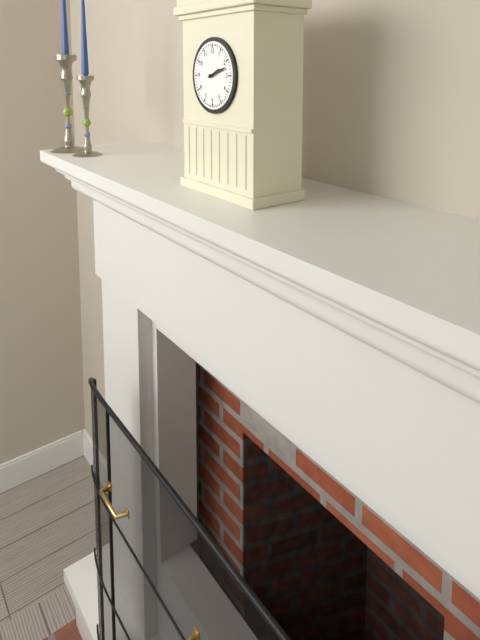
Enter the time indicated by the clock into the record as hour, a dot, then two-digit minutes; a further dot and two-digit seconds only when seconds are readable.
2.12
